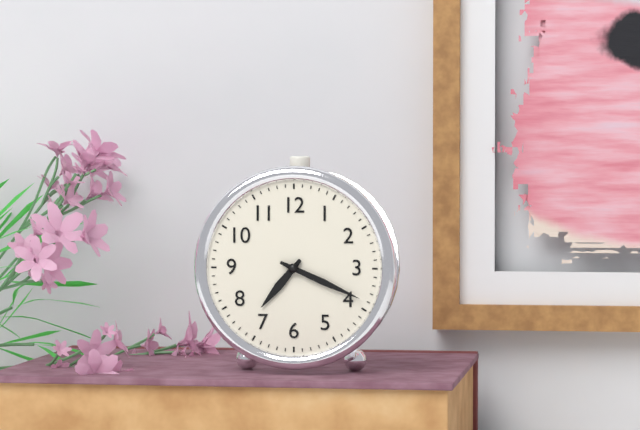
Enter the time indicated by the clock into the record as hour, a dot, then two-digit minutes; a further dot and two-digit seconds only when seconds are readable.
7.19
